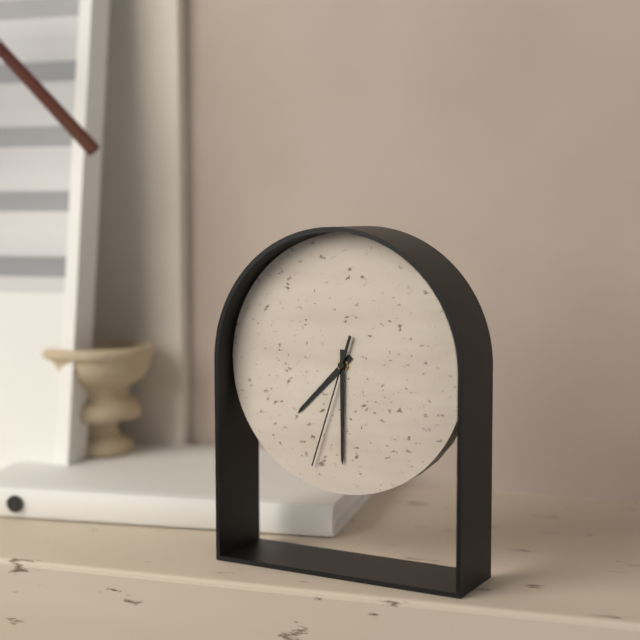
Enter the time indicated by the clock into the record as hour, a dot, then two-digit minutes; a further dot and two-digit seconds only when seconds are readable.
7.30.33
